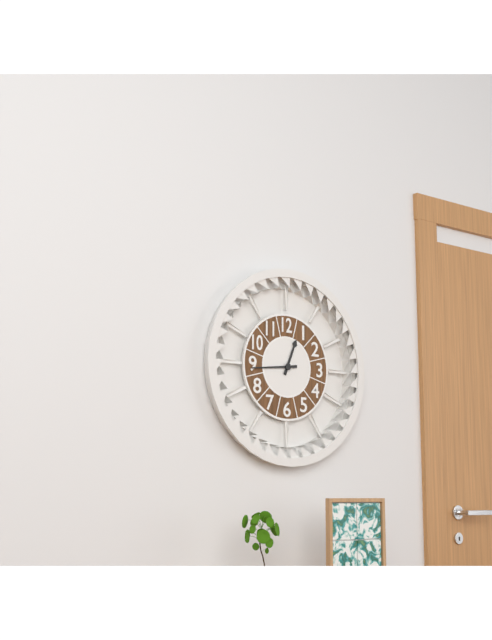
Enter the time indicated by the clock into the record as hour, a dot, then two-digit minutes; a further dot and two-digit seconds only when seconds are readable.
12.44
